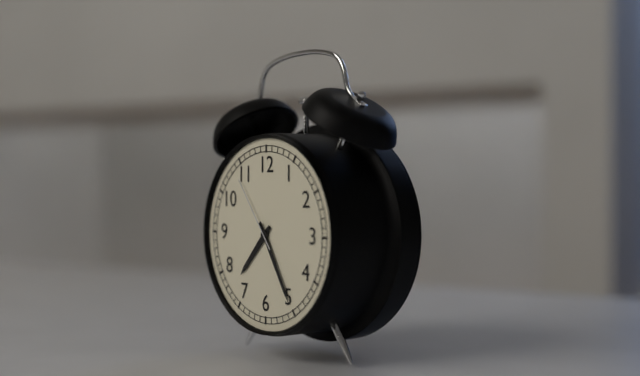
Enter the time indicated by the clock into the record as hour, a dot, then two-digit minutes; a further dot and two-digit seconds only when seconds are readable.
7.25.54
